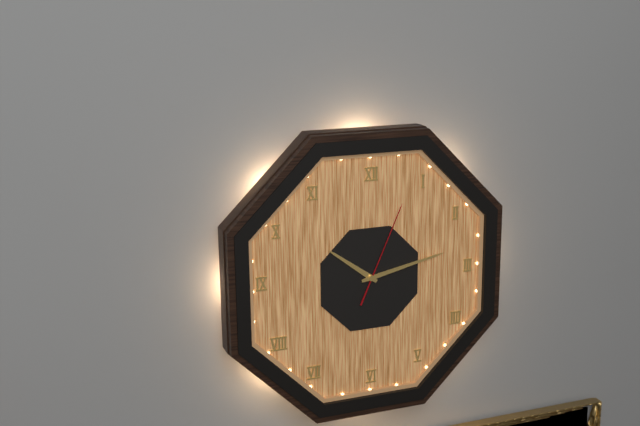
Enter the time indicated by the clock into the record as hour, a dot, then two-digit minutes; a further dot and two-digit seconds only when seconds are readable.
10.13.04
